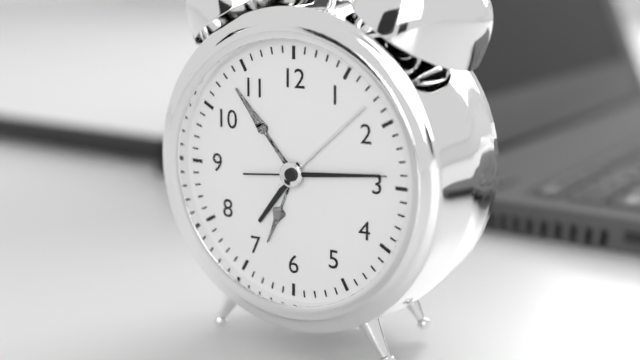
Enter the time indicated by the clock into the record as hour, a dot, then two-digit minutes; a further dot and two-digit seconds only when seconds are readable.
7.14.14
